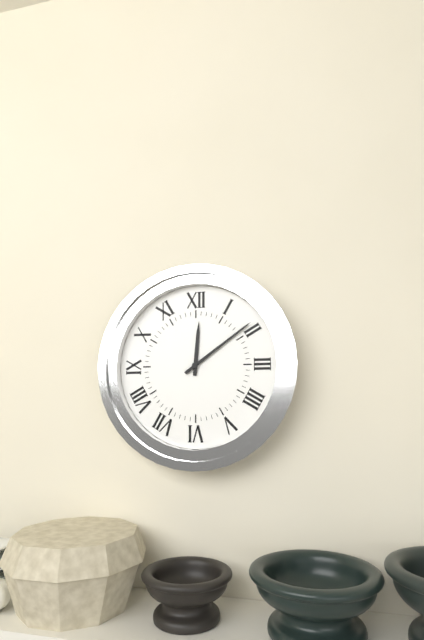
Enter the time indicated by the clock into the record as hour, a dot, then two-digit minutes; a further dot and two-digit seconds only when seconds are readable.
12.09
